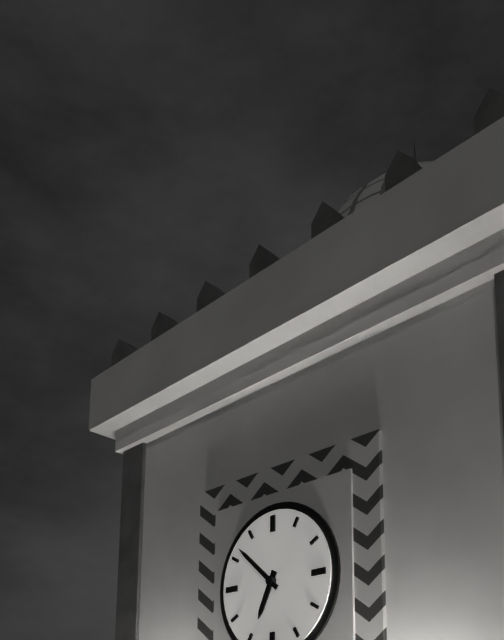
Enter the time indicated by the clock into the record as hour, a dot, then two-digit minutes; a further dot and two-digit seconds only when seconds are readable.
6.52
